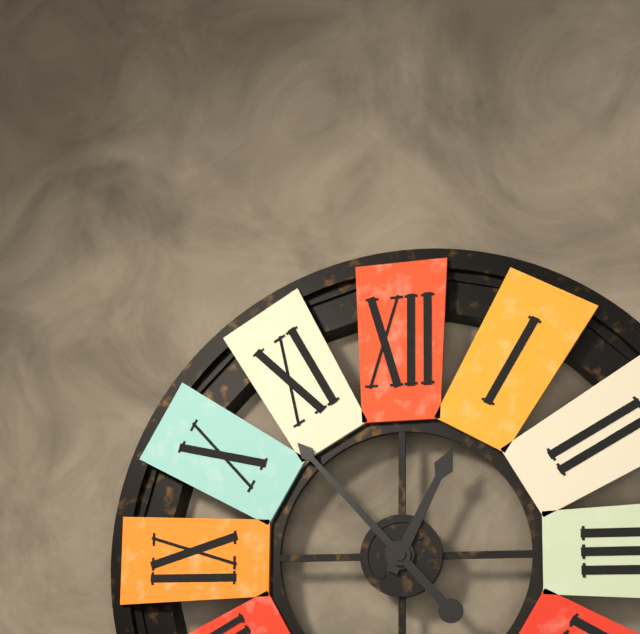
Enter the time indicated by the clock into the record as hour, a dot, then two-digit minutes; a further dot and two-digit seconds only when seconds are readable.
12.53
